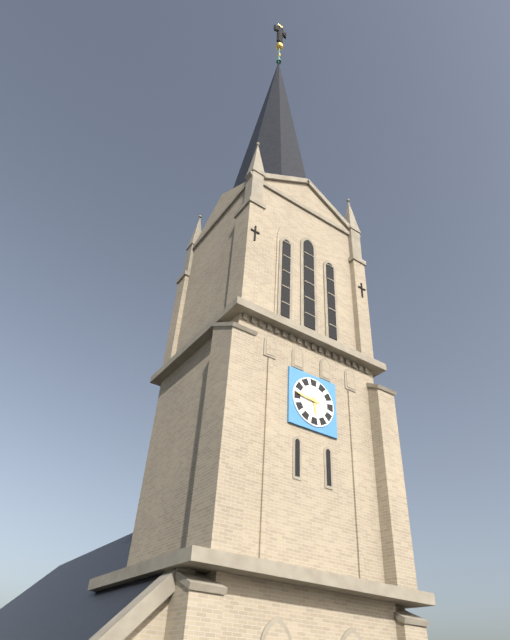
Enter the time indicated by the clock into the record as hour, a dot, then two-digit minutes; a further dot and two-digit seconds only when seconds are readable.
5.46
